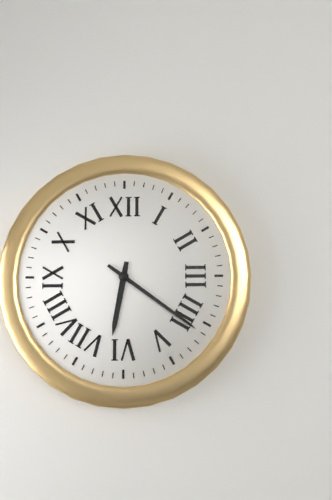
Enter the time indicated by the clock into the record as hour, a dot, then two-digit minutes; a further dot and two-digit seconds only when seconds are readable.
6.21
